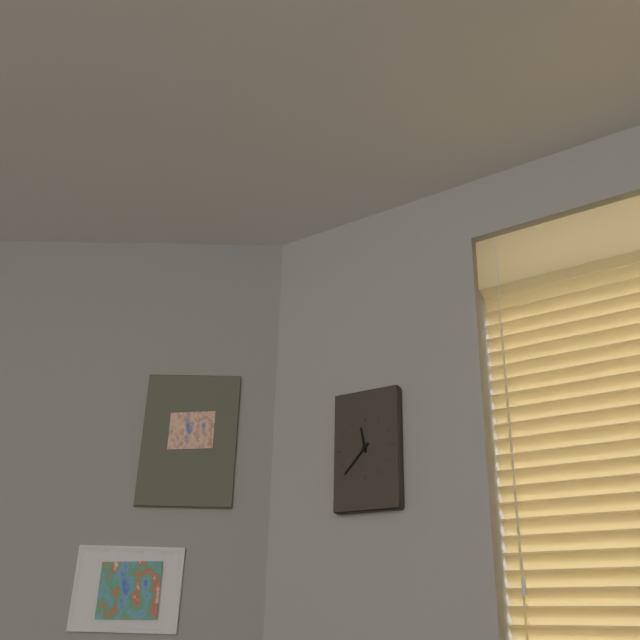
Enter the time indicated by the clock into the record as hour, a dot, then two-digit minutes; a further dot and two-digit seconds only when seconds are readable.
11.37
